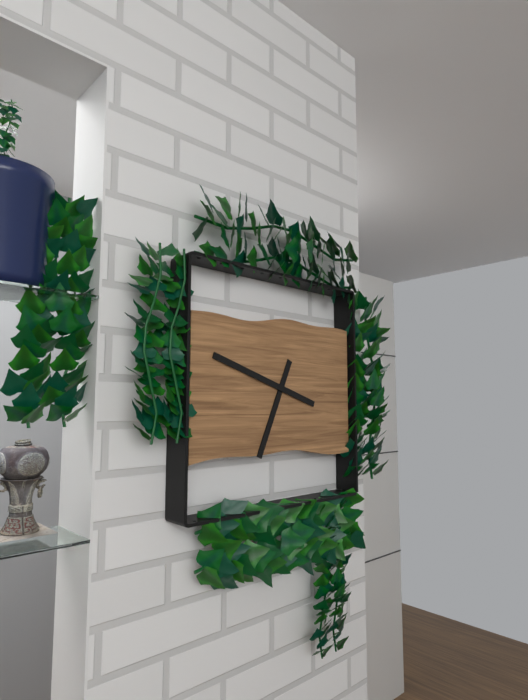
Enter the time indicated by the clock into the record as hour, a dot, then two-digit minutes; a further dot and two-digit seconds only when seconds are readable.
6.48
